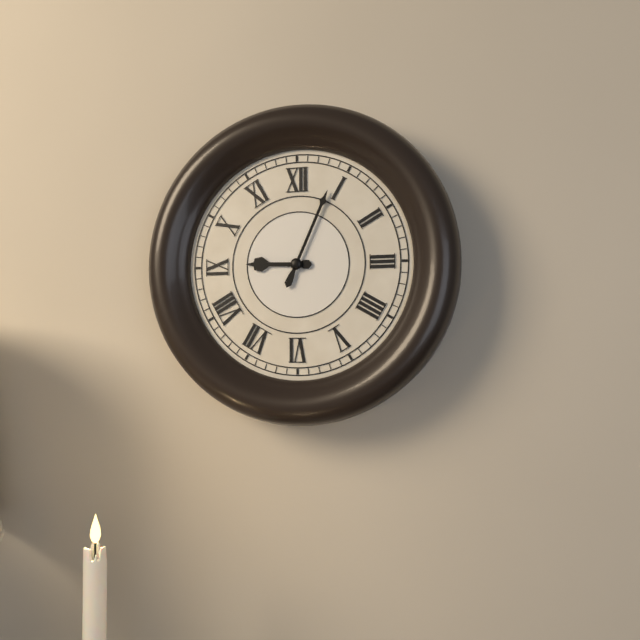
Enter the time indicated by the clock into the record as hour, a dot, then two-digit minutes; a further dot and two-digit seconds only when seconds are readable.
9.04
